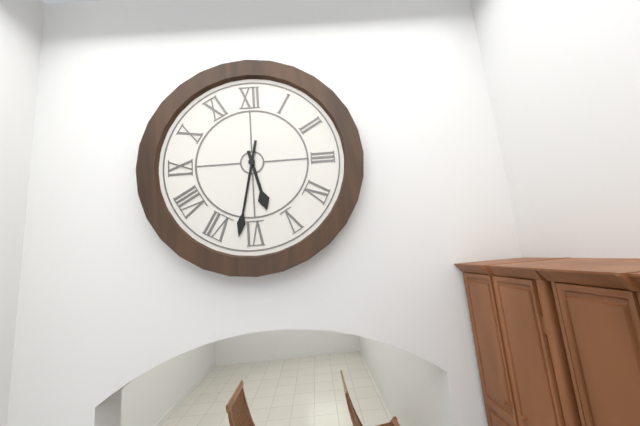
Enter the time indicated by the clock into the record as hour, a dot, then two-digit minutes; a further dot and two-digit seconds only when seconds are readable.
5.32
